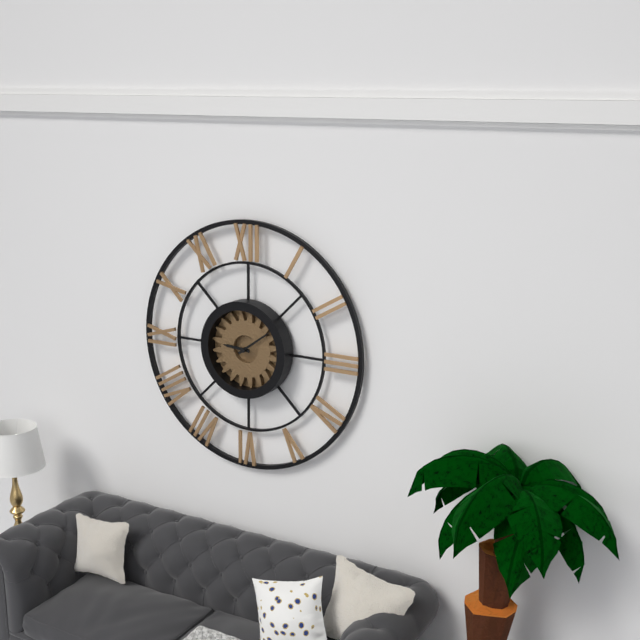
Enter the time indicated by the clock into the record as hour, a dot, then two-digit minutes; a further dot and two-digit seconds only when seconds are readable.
9.09
